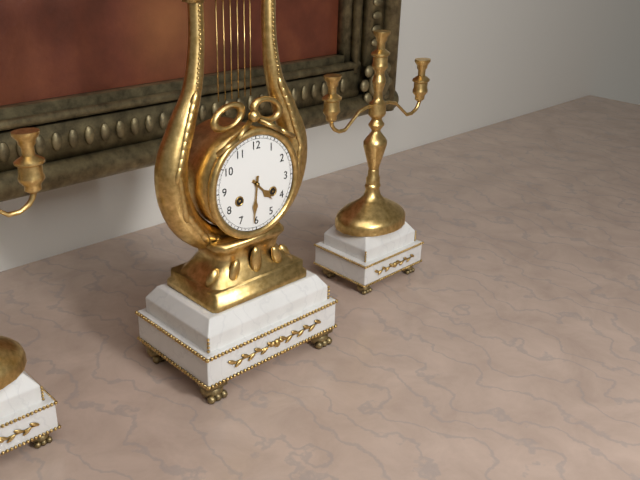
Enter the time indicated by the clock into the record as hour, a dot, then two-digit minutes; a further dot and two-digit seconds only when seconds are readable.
4.31
